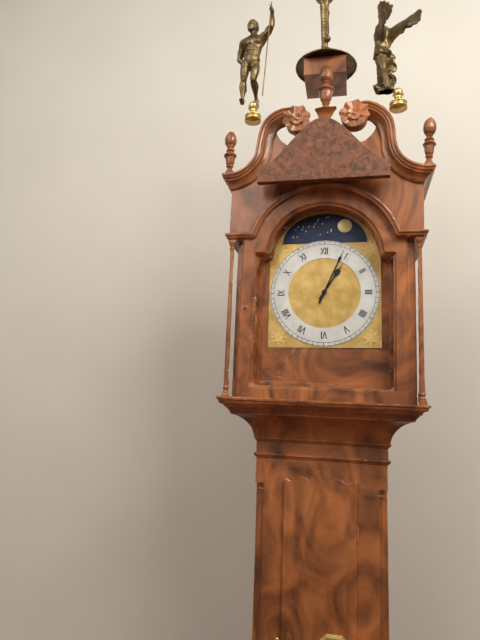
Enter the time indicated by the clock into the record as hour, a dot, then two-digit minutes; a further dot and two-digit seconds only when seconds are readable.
1.04
